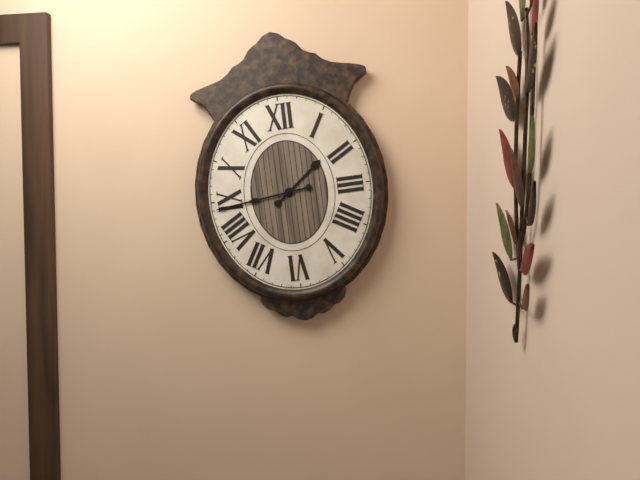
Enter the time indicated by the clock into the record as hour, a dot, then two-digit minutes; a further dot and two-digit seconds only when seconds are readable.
1.44
